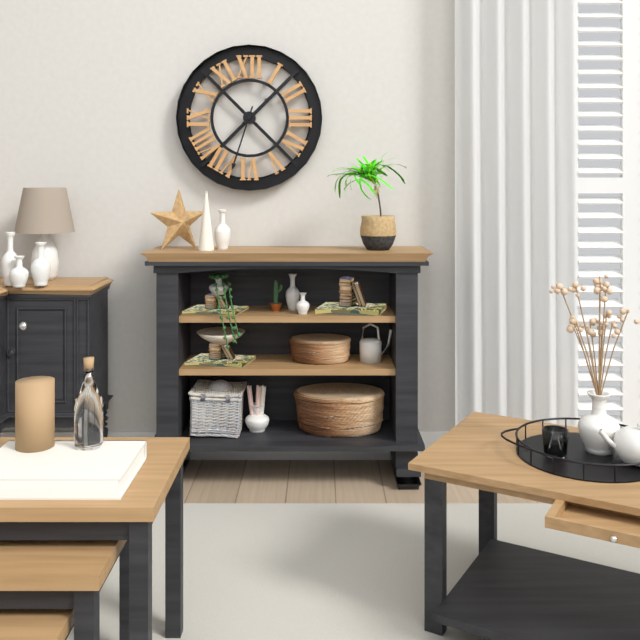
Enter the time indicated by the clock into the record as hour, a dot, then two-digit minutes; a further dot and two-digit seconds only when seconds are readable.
1.33
